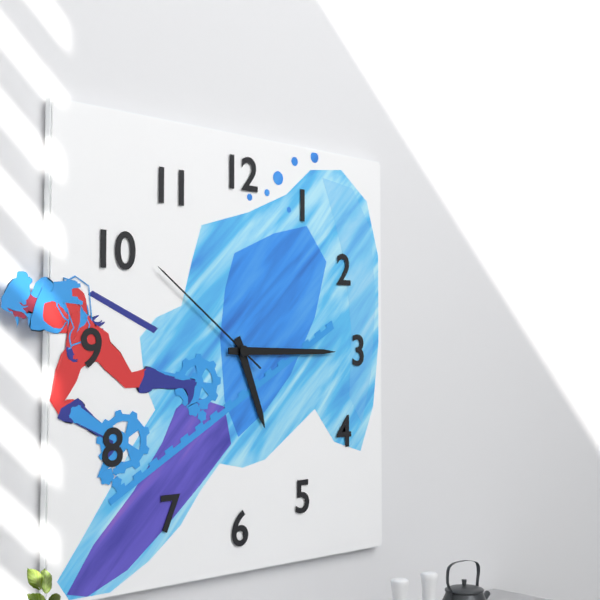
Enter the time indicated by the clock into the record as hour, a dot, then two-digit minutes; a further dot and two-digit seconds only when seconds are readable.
5.15.51
